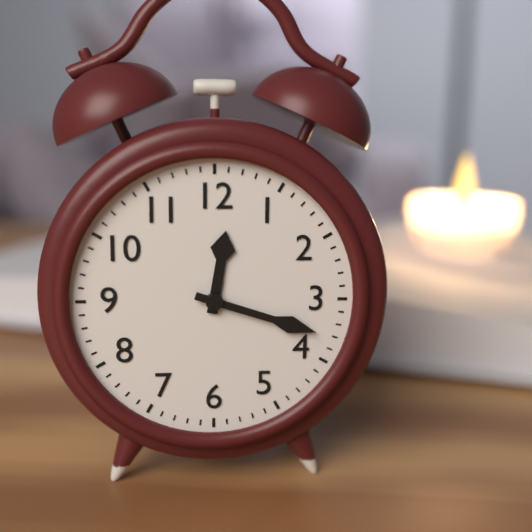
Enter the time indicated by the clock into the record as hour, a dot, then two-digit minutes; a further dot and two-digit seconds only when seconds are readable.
12.18
